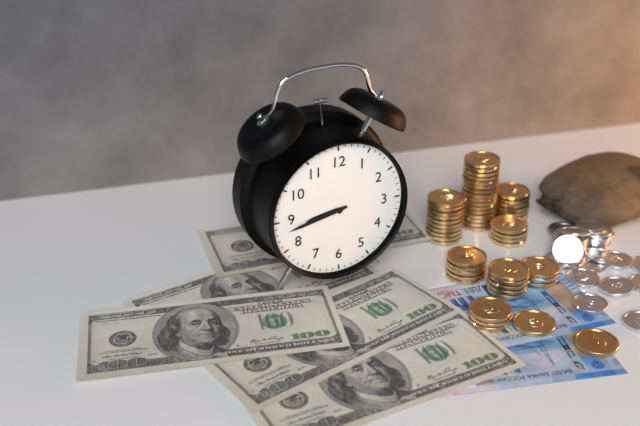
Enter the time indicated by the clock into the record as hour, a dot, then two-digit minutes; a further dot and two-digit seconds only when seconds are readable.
8.43
